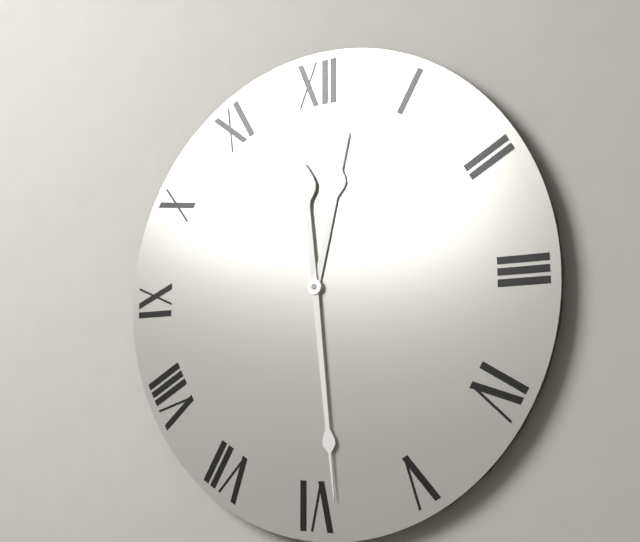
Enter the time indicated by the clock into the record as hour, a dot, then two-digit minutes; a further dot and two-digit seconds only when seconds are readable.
12.29
